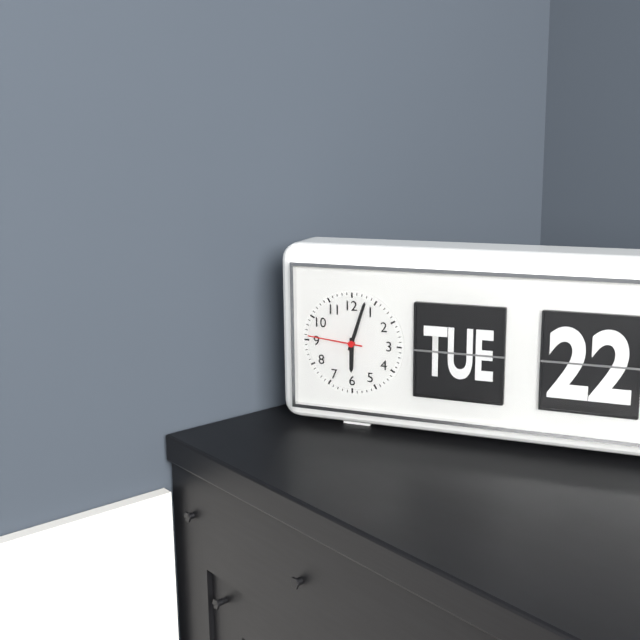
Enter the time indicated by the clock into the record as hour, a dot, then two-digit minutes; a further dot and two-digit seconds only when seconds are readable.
6.03.46
